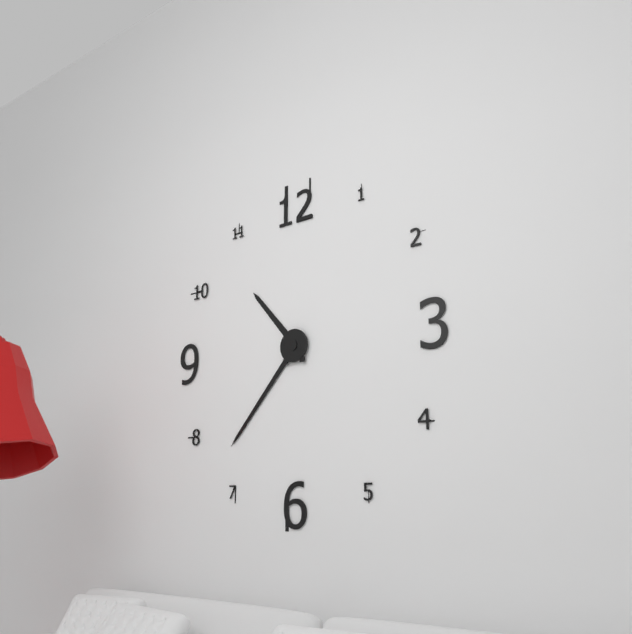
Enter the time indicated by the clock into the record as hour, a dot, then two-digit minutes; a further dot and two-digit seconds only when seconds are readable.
10.37
